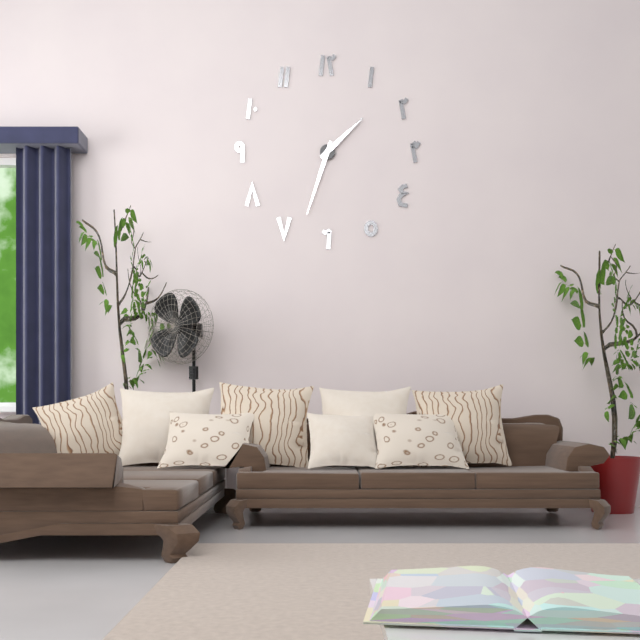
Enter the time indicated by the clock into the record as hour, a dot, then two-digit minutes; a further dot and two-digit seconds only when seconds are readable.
1.33
